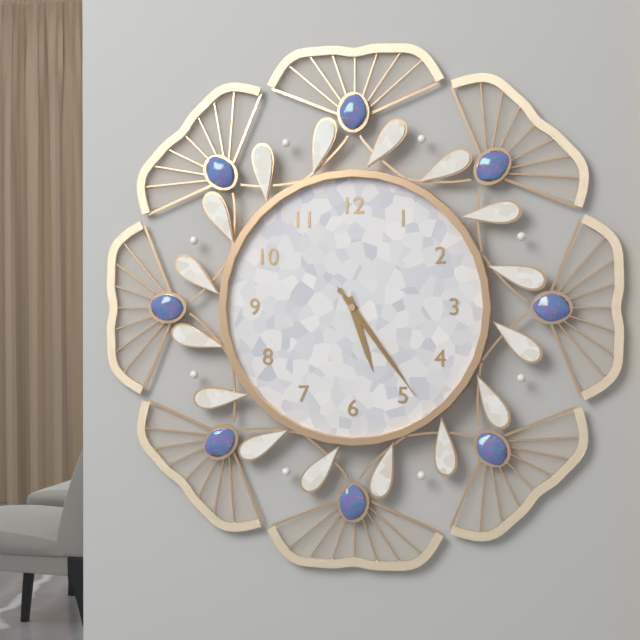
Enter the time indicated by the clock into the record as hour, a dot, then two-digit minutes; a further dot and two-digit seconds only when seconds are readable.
5.24.24
